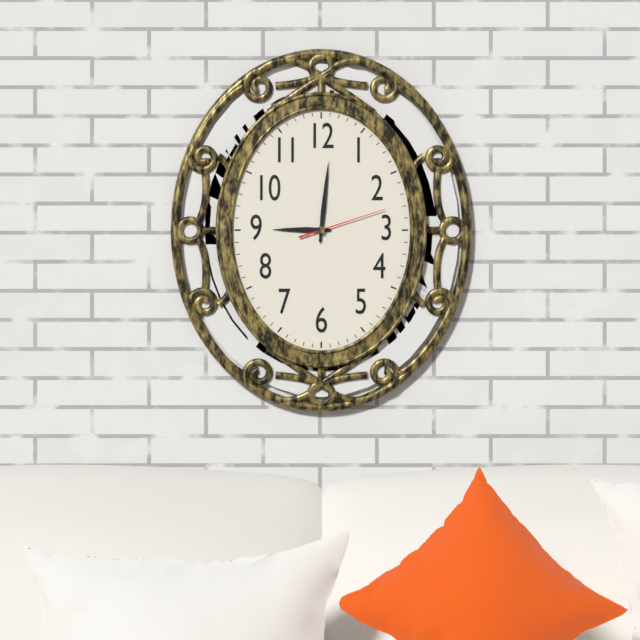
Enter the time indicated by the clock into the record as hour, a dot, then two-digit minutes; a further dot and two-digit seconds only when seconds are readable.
9.01.12
